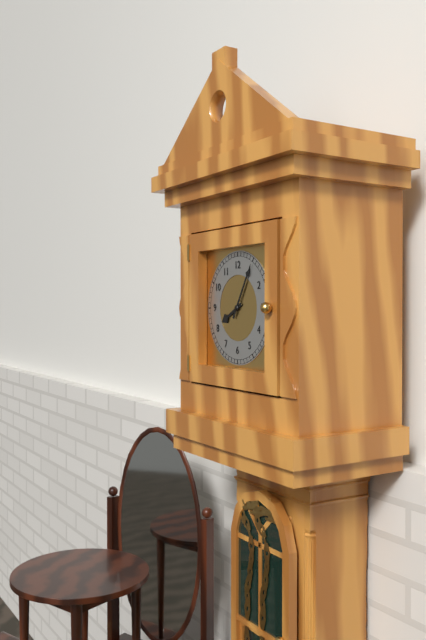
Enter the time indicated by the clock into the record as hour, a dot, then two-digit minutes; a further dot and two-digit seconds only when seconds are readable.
8.05
